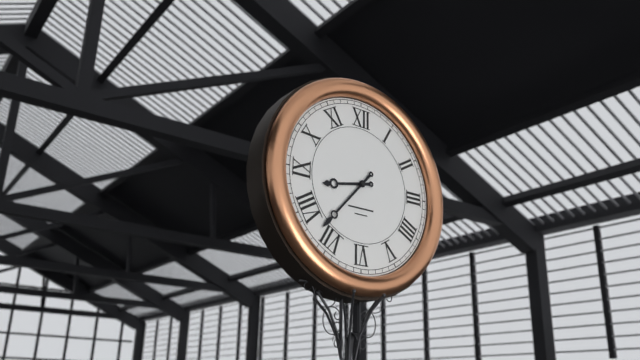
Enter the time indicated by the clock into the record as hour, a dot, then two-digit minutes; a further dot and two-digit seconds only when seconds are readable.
8.37
